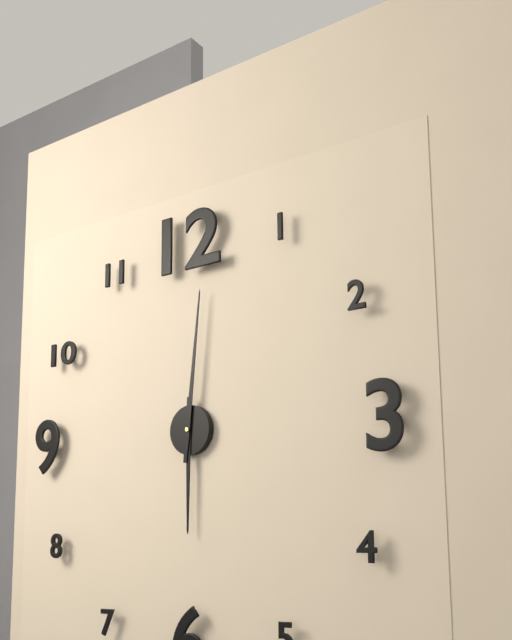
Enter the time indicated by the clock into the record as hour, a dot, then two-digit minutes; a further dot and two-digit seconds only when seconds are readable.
6.01
